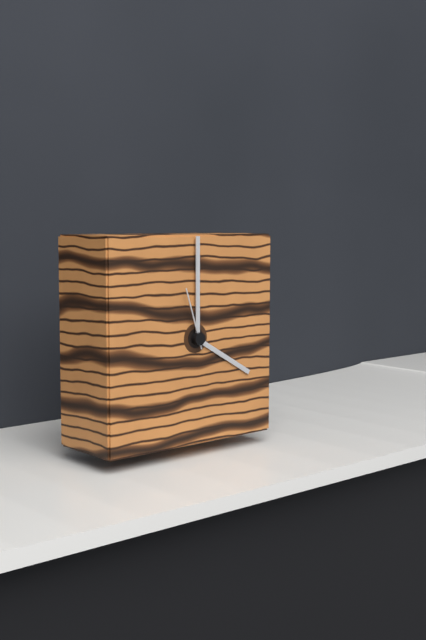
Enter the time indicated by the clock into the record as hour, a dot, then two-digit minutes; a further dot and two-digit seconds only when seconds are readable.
4.00.57
